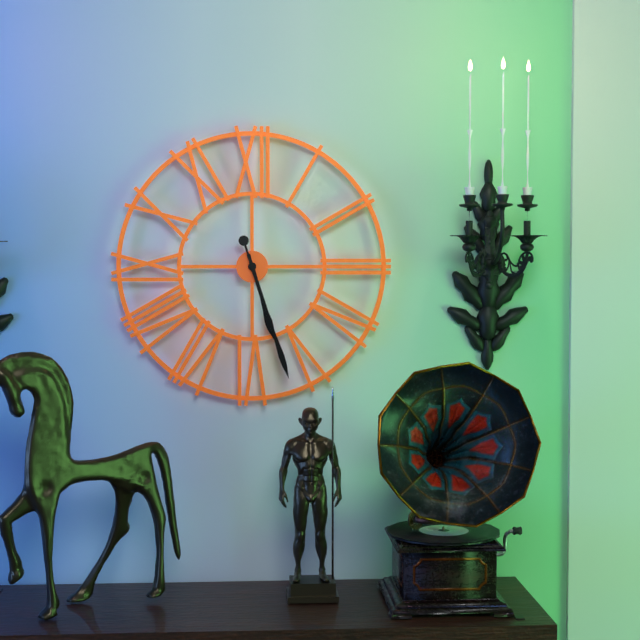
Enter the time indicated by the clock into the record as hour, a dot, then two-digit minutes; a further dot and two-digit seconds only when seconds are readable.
5.27
